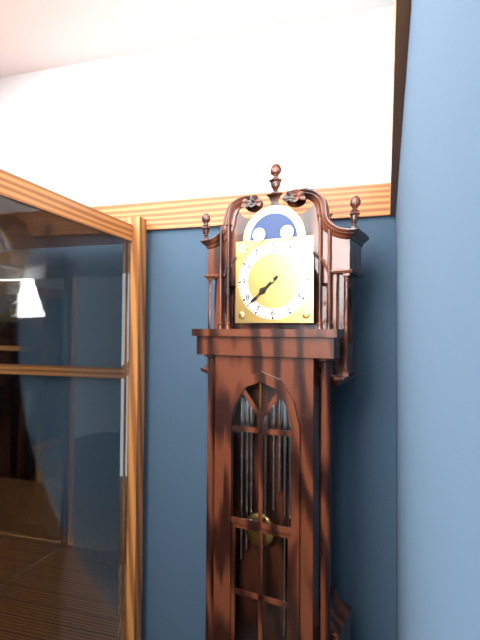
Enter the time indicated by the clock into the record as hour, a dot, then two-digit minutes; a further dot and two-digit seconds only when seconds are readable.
7.38
